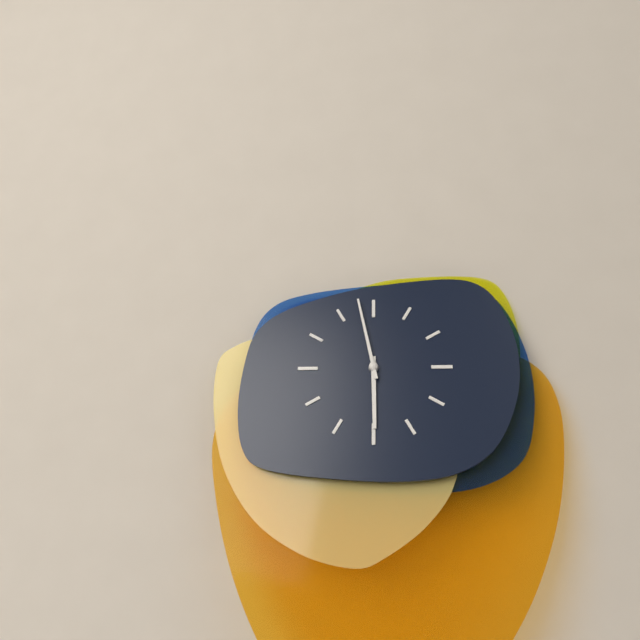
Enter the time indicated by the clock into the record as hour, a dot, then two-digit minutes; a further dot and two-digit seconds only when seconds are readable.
5.58
